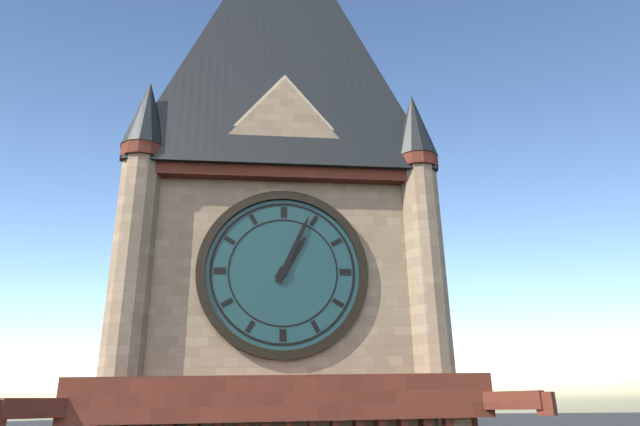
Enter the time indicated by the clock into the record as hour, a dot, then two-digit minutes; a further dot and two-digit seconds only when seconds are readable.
1.04
